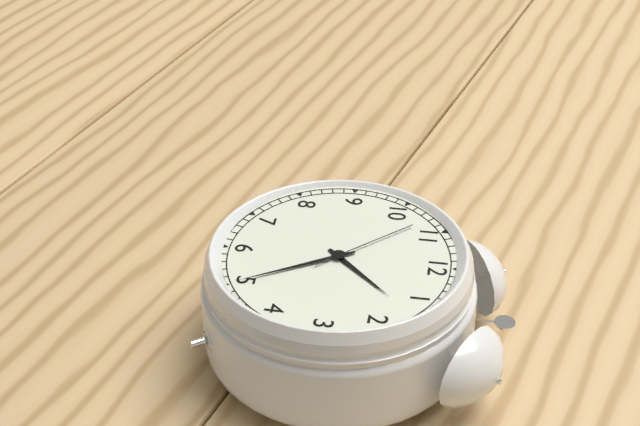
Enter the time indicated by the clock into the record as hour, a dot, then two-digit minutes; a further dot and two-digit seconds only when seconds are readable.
1.25.53
